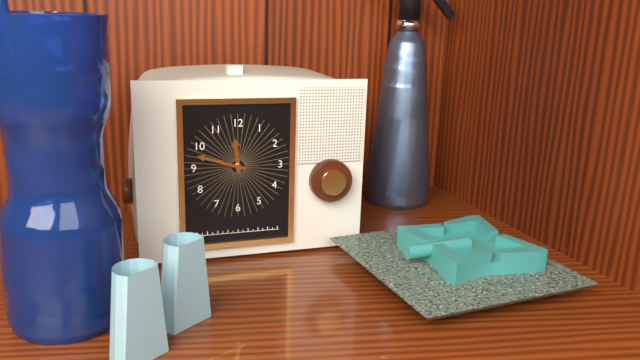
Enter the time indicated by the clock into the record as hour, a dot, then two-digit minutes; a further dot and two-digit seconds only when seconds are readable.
11.48
